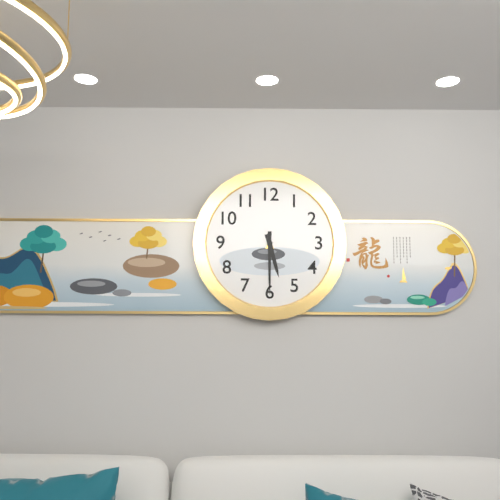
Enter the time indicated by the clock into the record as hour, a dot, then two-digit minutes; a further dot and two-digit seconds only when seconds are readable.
5.30
